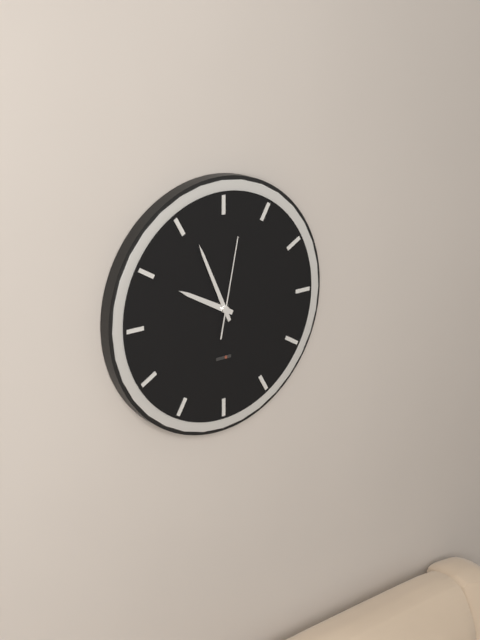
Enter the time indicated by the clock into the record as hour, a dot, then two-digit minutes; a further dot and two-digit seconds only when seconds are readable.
9.56.02
